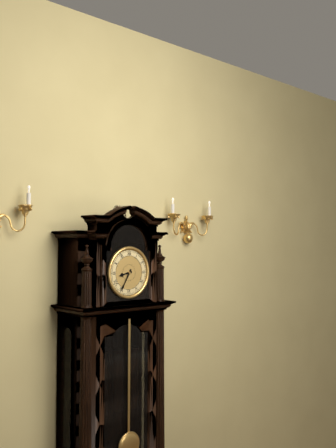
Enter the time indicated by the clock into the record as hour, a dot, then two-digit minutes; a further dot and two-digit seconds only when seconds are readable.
8.35
